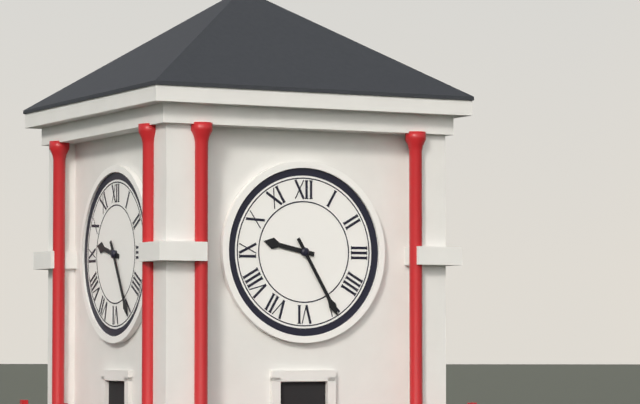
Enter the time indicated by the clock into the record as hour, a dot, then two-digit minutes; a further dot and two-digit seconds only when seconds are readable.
9.25
